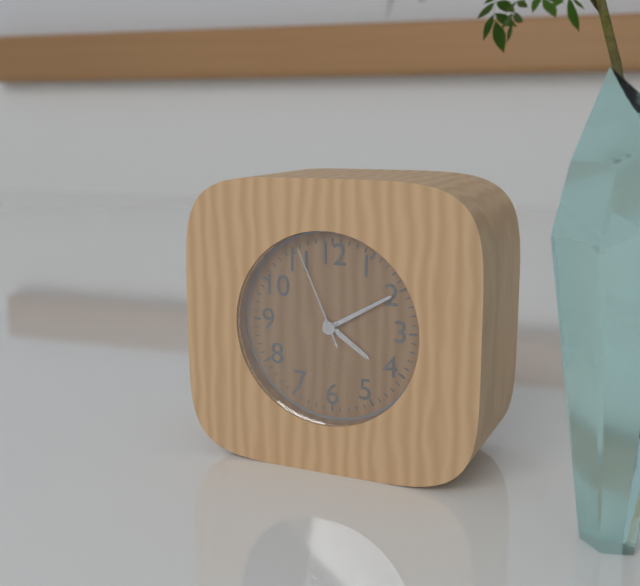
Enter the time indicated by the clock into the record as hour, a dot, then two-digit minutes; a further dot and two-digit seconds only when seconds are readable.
4.10.56
